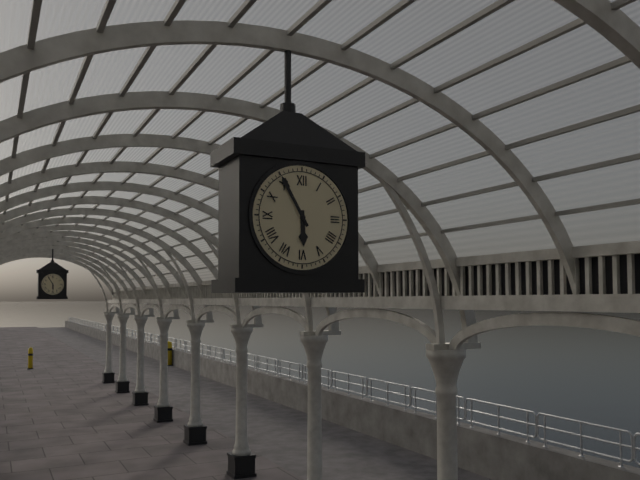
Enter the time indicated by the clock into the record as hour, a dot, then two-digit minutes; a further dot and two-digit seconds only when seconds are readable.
5.55
